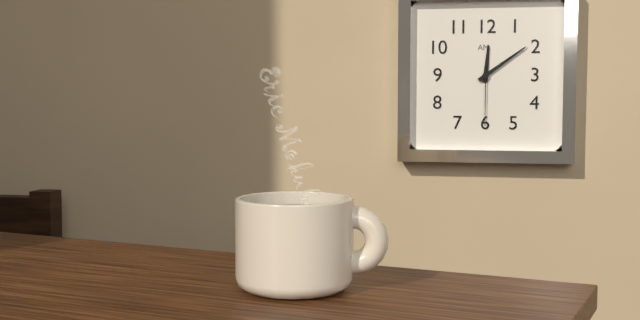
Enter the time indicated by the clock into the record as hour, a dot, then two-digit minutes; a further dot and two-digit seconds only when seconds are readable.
12.09.30
